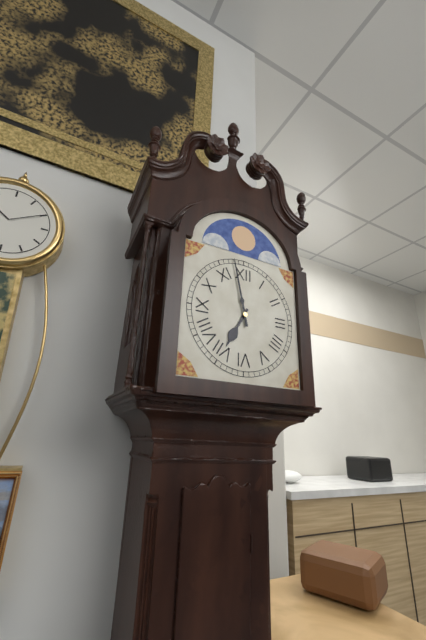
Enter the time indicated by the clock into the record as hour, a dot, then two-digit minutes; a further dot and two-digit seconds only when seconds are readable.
6.58
